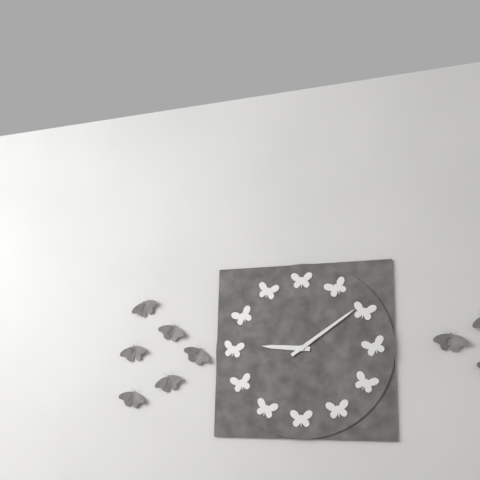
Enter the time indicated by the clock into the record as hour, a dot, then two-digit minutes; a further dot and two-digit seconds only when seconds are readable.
9.09
